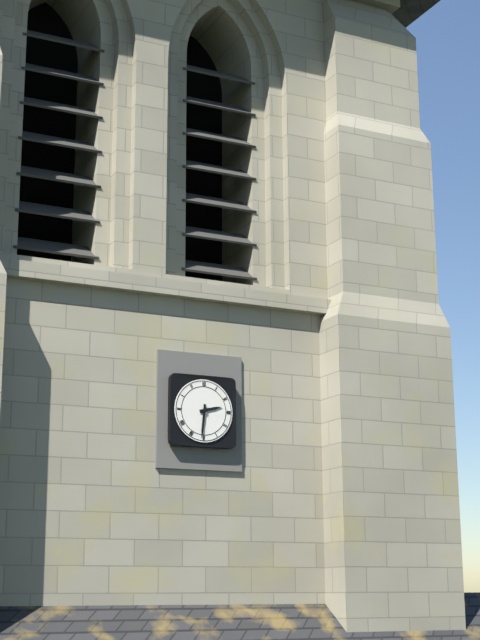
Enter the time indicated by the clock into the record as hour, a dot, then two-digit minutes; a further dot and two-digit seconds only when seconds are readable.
2.31
